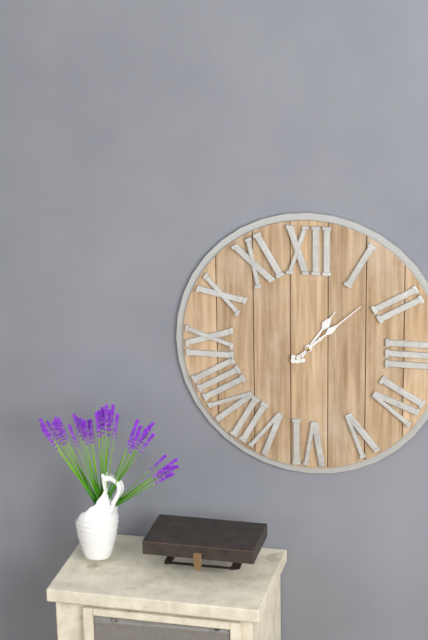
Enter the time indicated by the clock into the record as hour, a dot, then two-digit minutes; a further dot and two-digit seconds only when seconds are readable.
1.08
